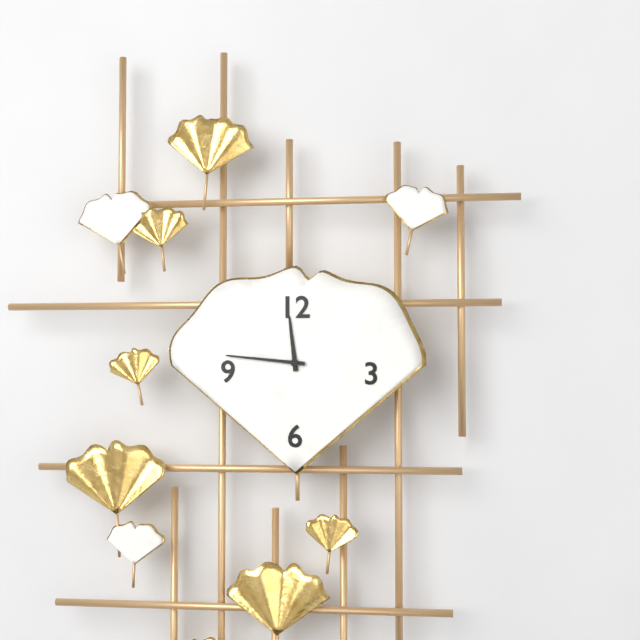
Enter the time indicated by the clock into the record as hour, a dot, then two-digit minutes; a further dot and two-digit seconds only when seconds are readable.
11.46
